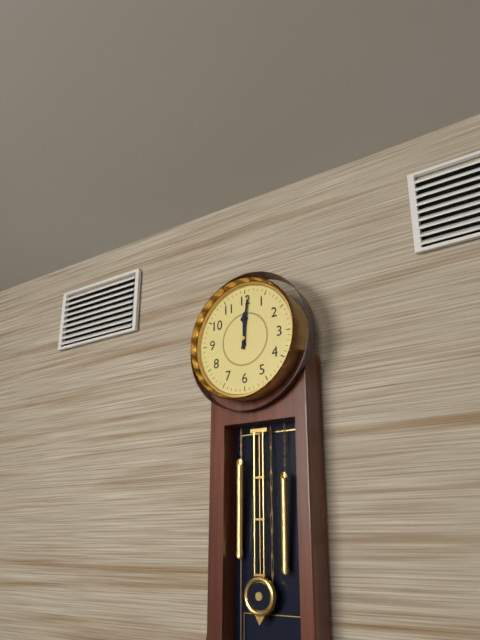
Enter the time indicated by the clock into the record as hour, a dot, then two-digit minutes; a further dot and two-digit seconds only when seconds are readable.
12.01
